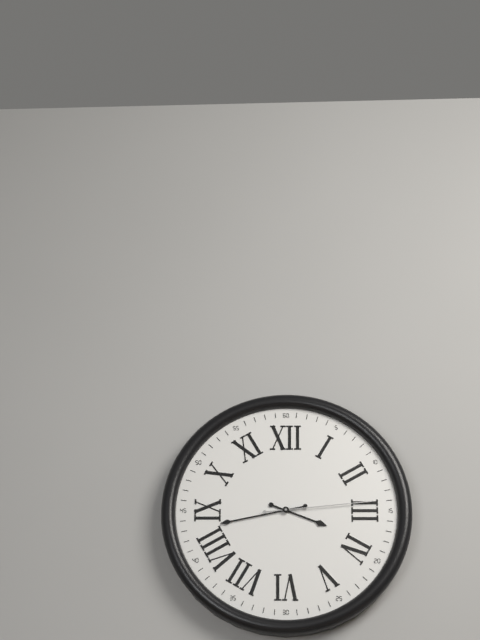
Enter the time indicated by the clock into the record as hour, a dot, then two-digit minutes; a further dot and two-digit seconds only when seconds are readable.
3.43.14
